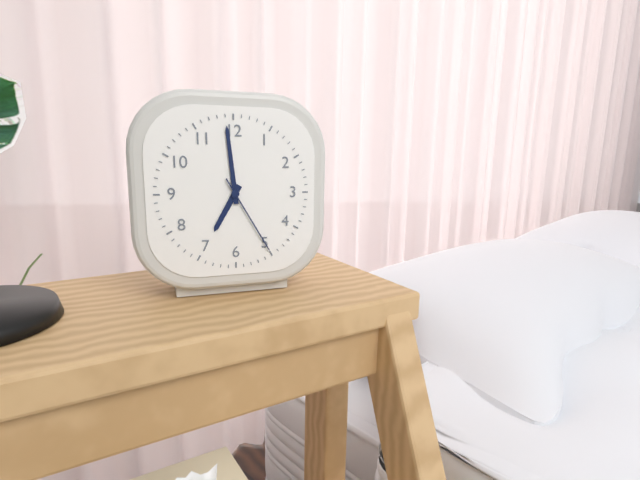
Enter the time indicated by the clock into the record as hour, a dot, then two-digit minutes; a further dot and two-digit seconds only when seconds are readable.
6.59.25
